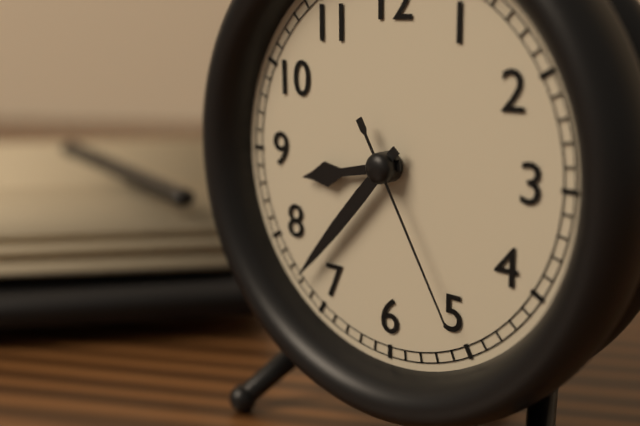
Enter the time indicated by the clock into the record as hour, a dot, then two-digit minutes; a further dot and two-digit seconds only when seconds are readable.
8.37.25
